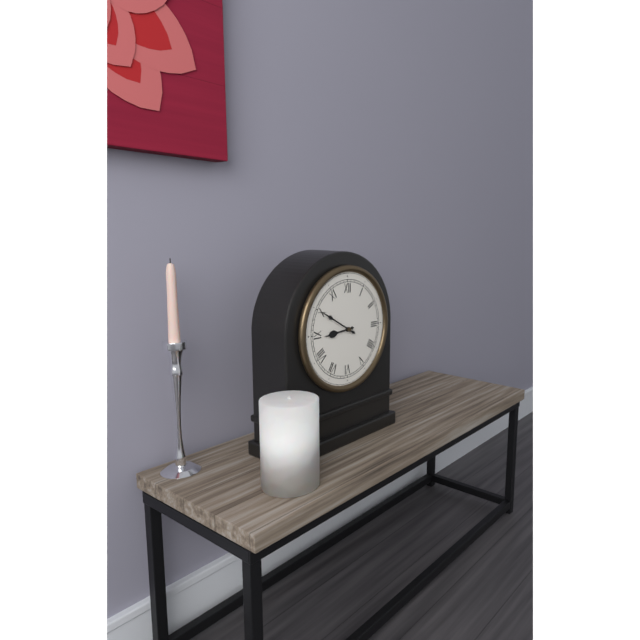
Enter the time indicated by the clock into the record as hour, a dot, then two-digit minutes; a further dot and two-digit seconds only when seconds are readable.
8.50
